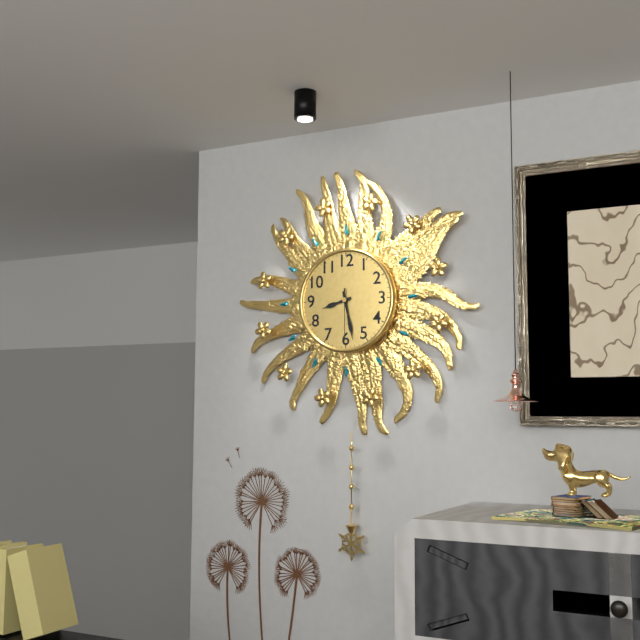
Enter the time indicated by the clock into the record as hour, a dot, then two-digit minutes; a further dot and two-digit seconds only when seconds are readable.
8.28.30
